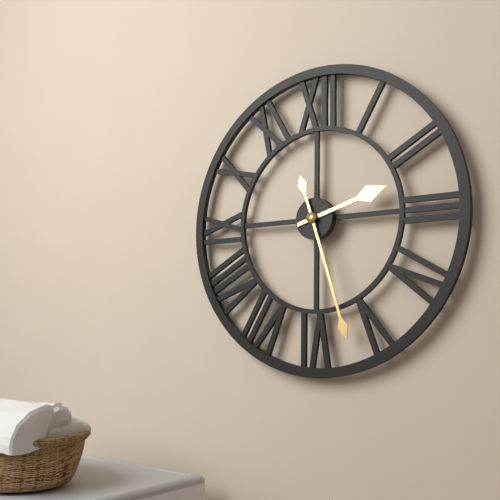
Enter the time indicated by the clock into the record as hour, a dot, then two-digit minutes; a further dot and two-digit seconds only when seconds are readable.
2.27
